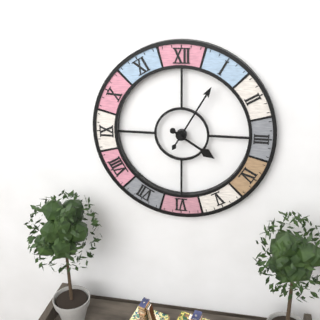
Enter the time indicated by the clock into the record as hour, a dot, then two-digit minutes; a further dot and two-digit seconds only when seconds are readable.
4.05
